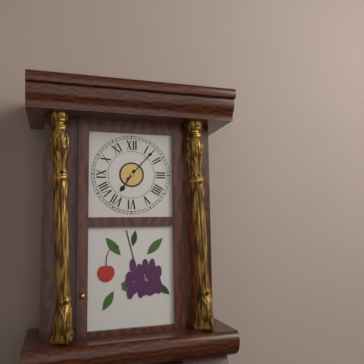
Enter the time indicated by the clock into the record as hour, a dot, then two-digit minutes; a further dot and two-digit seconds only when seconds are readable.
7.07
